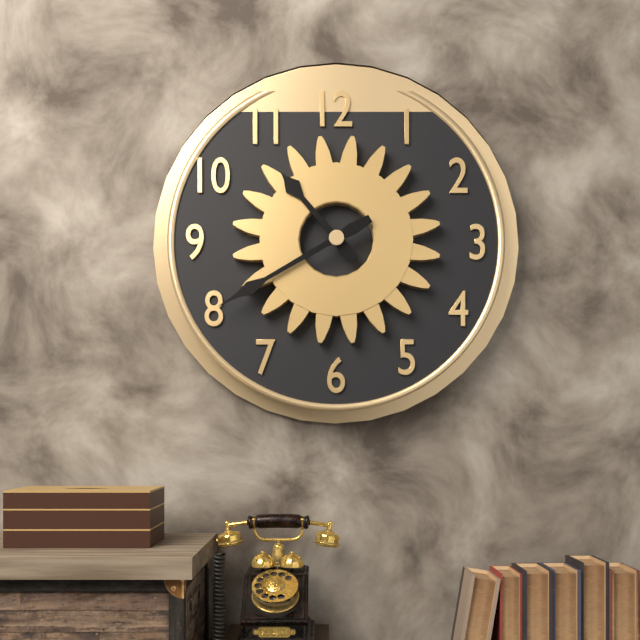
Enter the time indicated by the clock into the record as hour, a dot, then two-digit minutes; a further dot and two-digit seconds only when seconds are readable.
10.40
